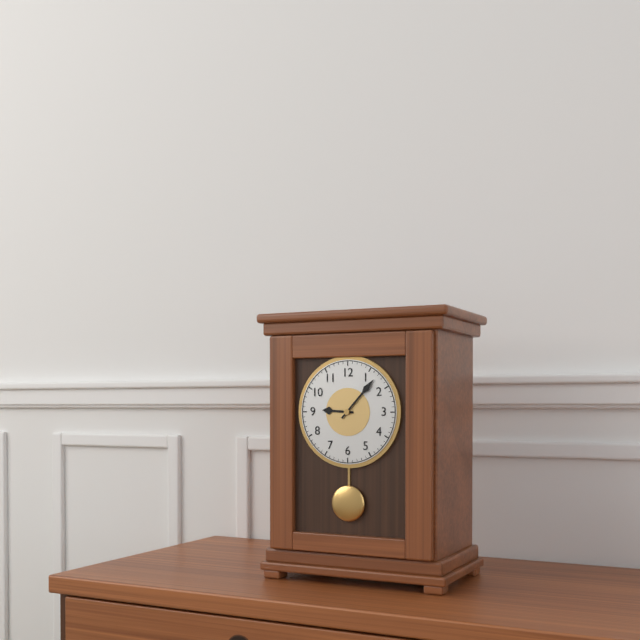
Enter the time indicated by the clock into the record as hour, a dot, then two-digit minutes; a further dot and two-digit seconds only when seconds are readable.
9.07
